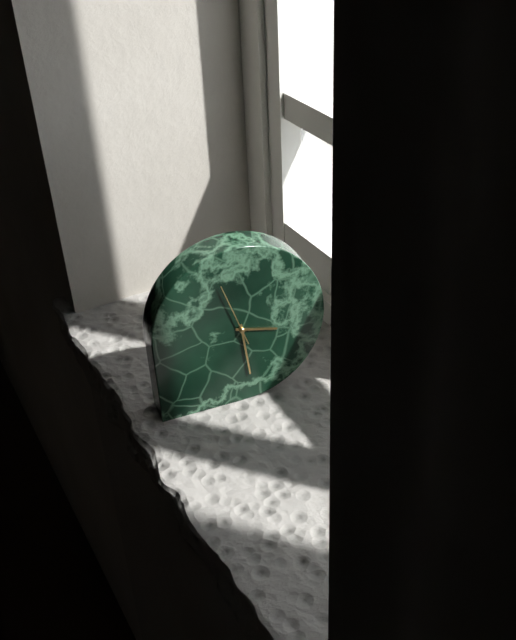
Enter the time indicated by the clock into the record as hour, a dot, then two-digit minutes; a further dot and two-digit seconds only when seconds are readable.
3.29.57
